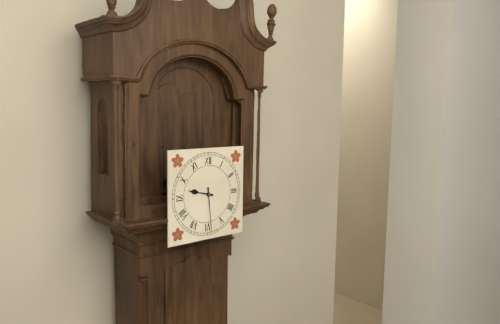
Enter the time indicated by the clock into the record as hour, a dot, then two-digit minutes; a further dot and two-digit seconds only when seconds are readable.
9.29
